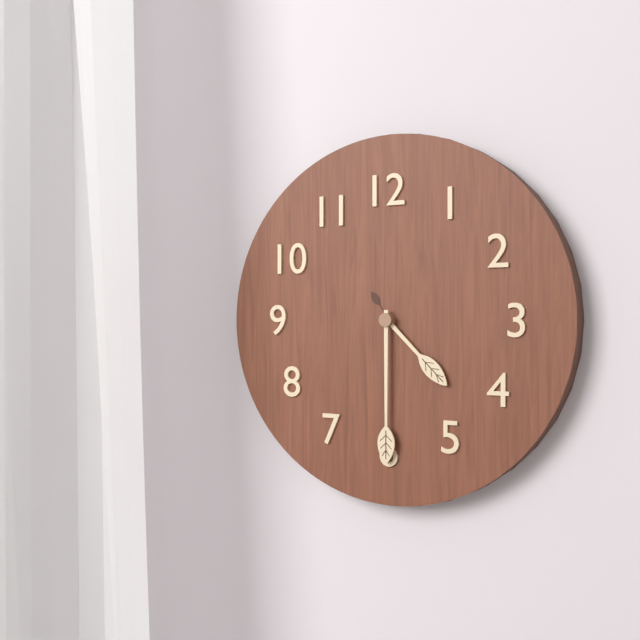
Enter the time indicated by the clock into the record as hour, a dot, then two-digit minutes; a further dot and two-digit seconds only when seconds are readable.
4.30
